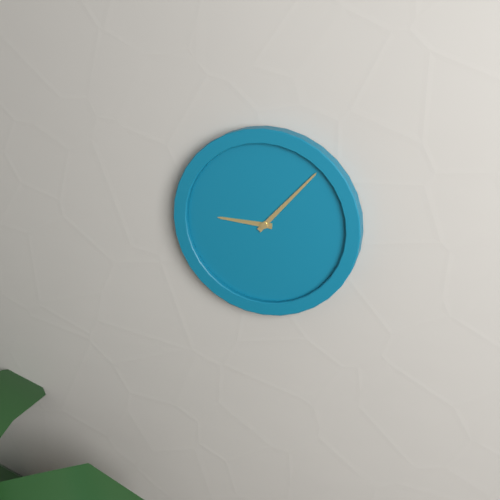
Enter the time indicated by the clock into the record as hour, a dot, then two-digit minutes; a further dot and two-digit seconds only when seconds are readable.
9.07
